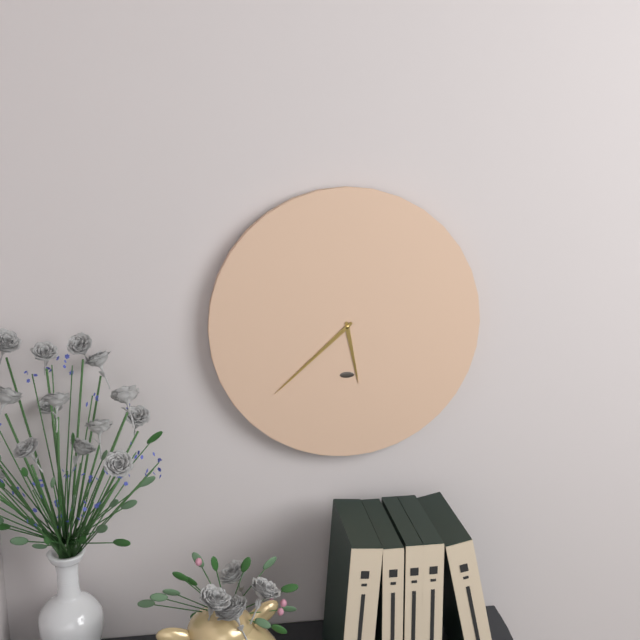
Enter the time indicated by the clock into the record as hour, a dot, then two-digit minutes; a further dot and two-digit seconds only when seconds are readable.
5.38
